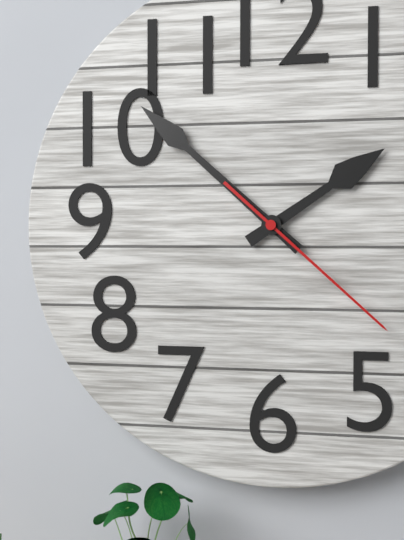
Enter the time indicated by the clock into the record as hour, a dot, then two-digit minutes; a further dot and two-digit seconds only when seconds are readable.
1.52.22
